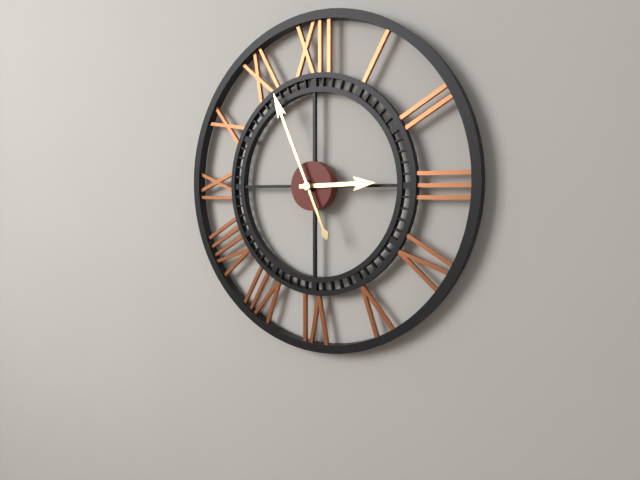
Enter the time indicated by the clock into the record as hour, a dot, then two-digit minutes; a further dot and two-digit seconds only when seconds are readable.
2.56
